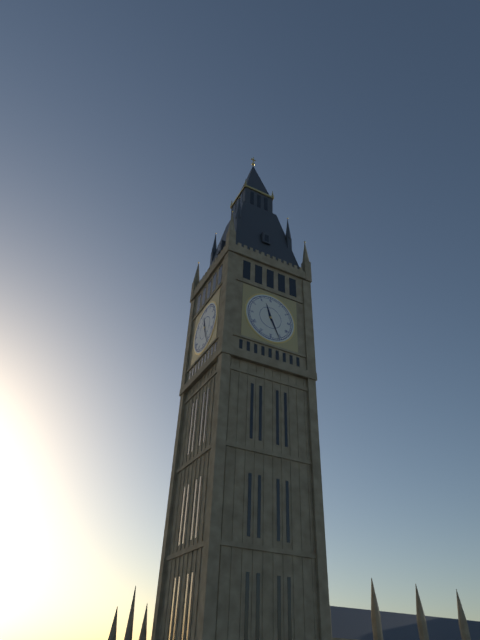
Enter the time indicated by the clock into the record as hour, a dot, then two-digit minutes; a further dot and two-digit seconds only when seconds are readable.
11.26
